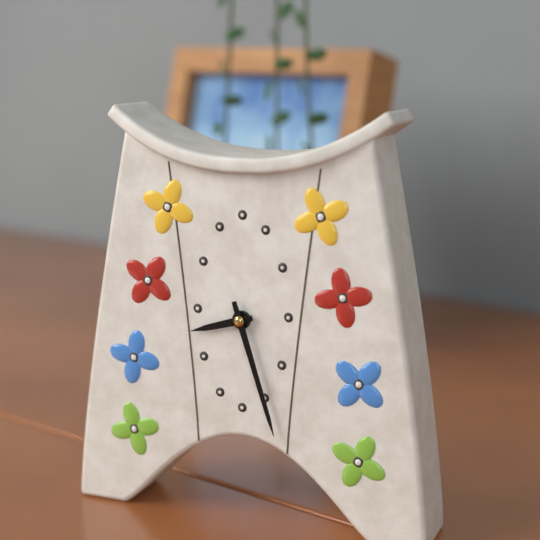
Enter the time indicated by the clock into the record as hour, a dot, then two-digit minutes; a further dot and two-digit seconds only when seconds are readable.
8.27
